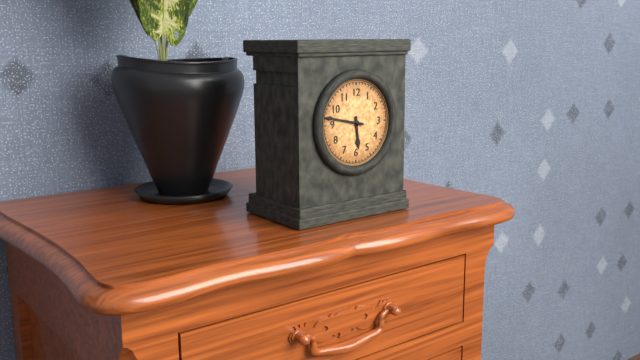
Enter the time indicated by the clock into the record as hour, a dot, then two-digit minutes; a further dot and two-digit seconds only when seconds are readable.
5.47
